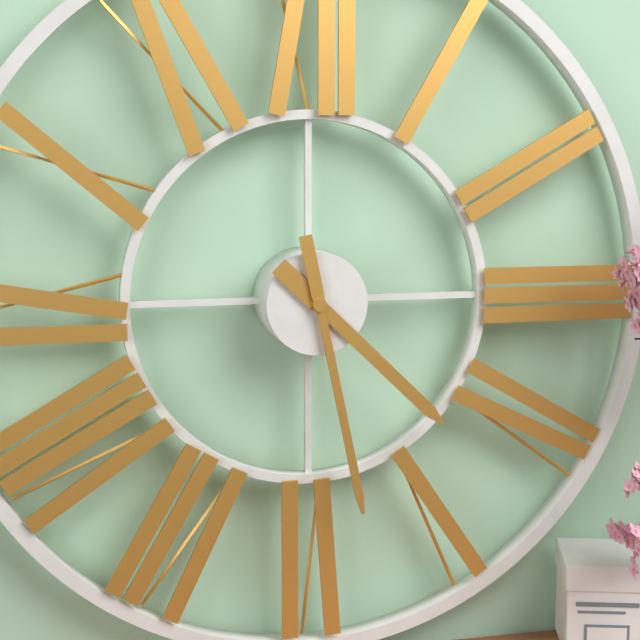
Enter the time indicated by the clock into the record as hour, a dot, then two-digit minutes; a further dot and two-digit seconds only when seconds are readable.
4.28
